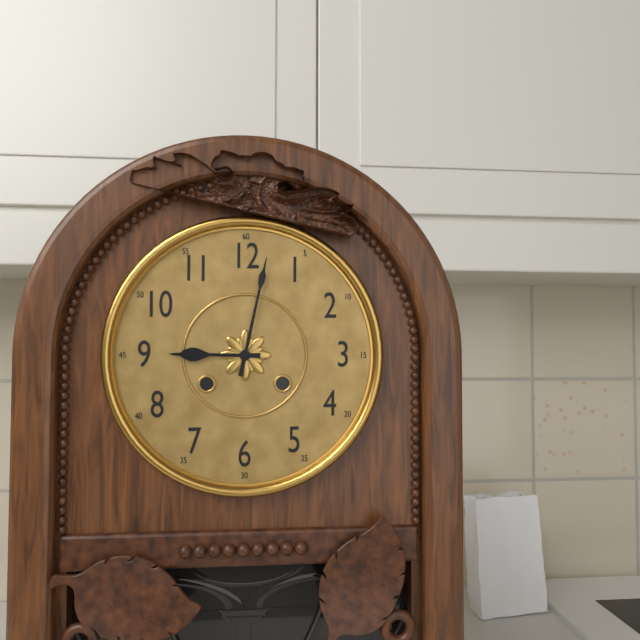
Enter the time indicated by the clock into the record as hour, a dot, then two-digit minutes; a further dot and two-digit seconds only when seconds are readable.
9.02
